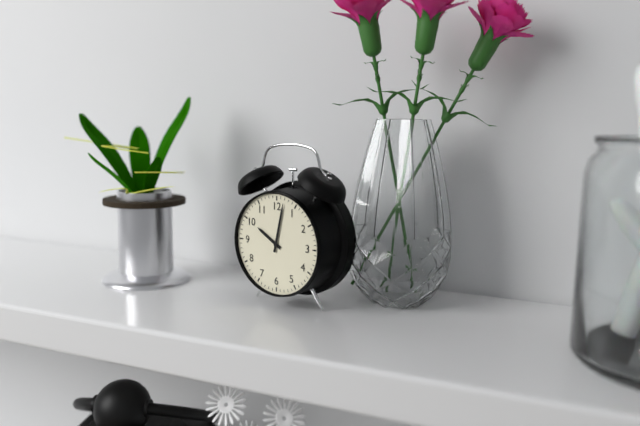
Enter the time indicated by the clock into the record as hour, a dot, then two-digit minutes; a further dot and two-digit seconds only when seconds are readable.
10.02
